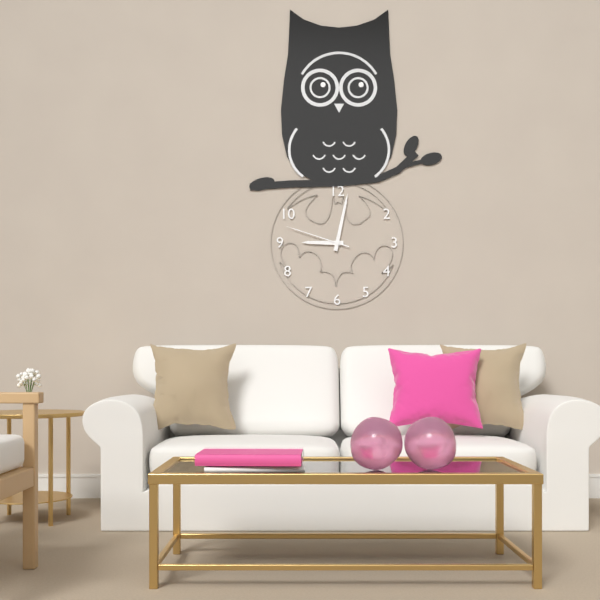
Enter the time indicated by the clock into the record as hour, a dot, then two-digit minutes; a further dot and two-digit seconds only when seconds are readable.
9.02.48
